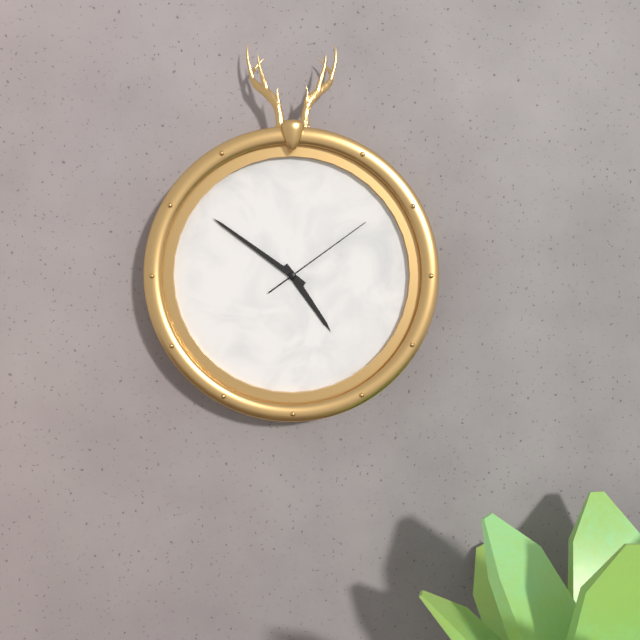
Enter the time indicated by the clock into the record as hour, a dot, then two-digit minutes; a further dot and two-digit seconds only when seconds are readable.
4.51.09
